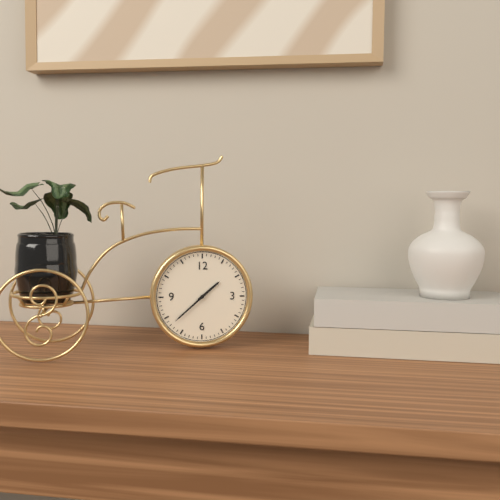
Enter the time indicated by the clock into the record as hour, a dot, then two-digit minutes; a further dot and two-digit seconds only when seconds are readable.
1.38
